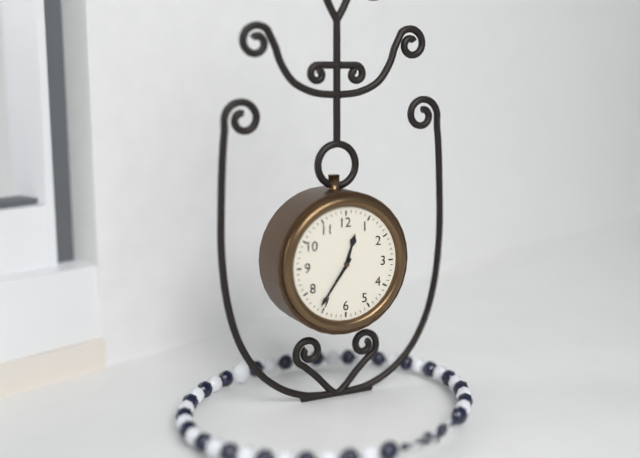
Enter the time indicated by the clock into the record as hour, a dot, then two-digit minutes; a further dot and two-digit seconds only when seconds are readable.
12.36
